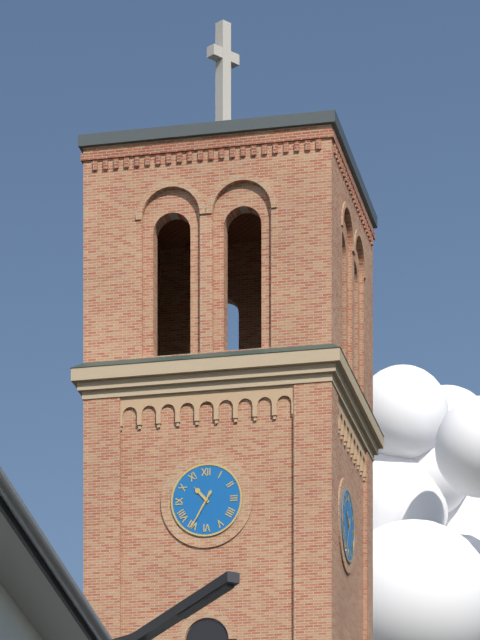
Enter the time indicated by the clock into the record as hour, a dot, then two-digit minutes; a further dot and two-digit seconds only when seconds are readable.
10.35
